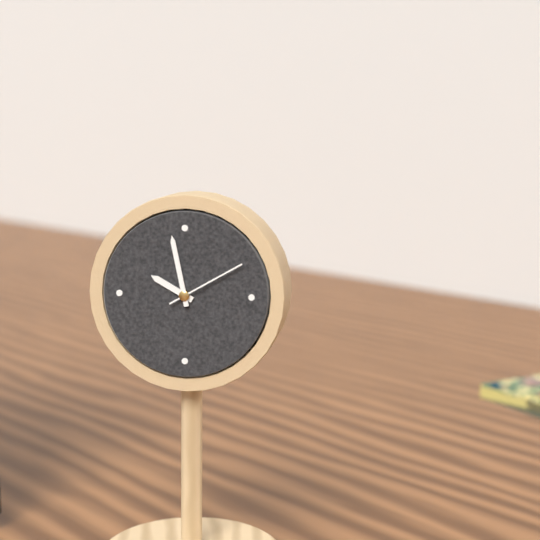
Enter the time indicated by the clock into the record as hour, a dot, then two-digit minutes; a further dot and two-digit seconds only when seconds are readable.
9.58.10
